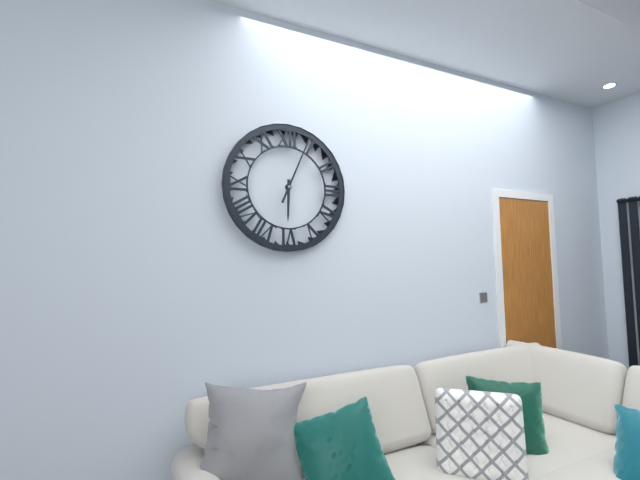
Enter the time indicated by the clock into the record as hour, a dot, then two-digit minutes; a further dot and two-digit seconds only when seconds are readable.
6.04
